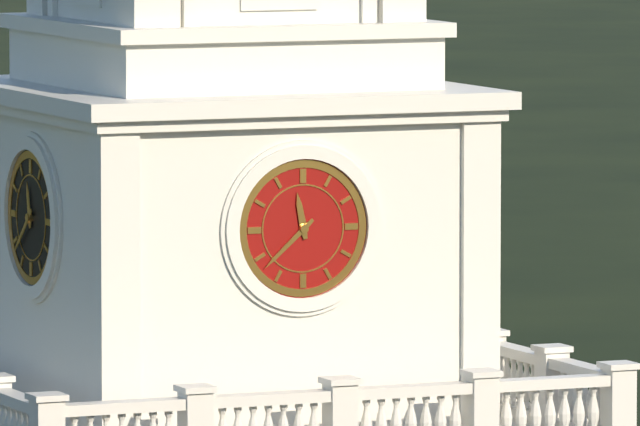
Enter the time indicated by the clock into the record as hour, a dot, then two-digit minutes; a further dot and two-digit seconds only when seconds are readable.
11.38
